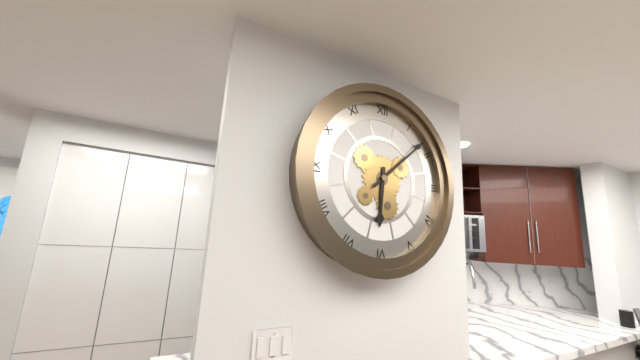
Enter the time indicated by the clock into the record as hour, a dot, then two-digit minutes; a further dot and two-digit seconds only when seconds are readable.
6.08
